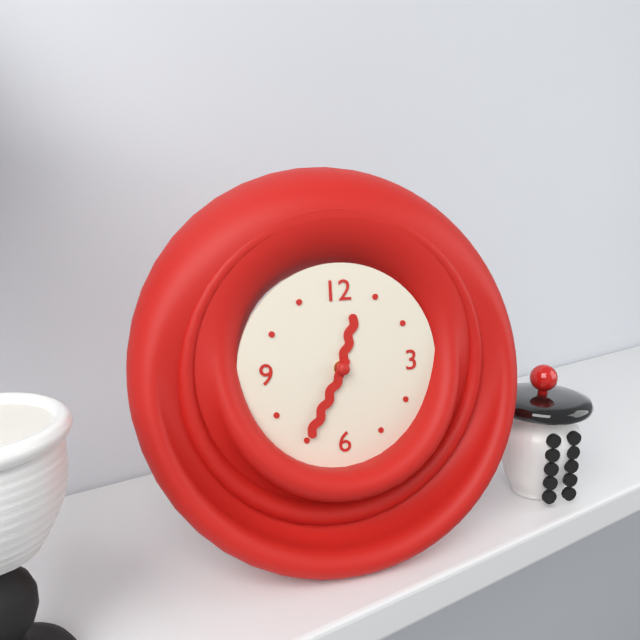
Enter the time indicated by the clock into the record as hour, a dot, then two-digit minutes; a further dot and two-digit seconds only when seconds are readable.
12.35
